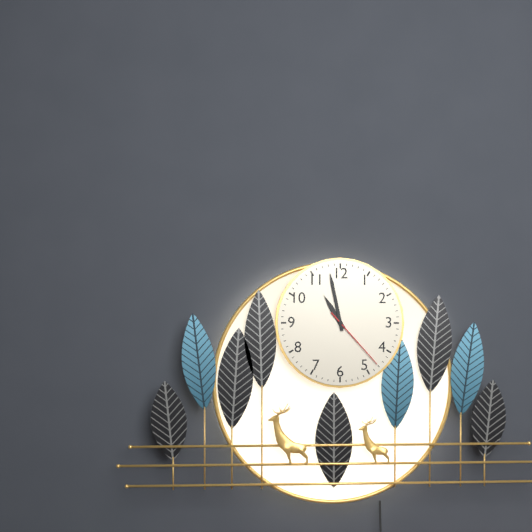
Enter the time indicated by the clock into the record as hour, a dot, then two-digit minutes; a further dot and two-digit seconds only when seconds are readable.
10.58.23
